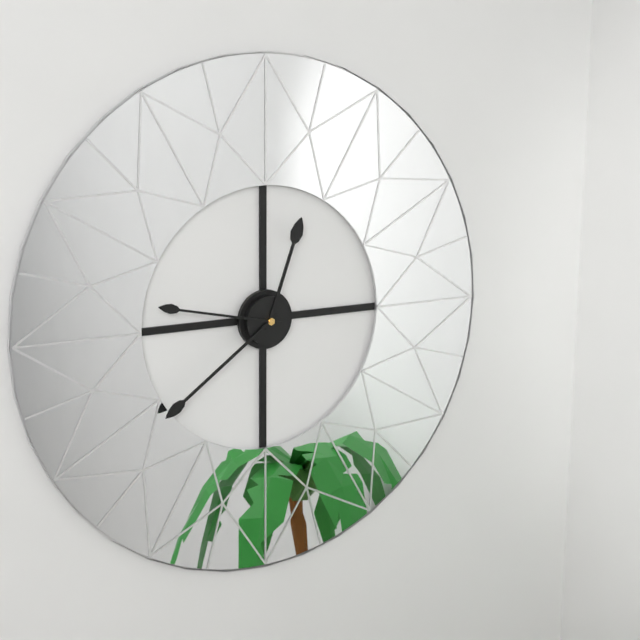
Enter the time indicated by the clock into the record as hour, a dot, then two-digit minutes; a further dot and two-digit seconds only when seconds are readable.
12.39.47
